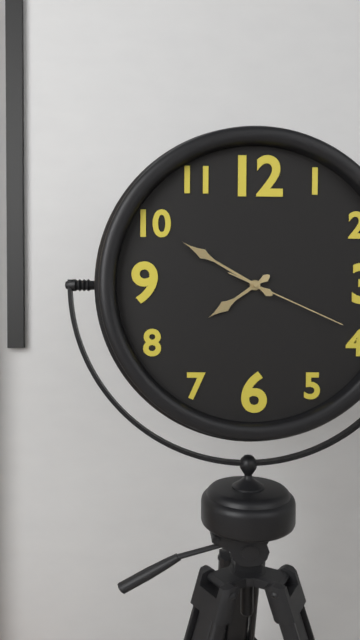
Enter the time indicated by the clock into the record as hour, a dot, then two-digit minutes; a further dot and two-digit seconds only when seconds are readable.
7.50.19
